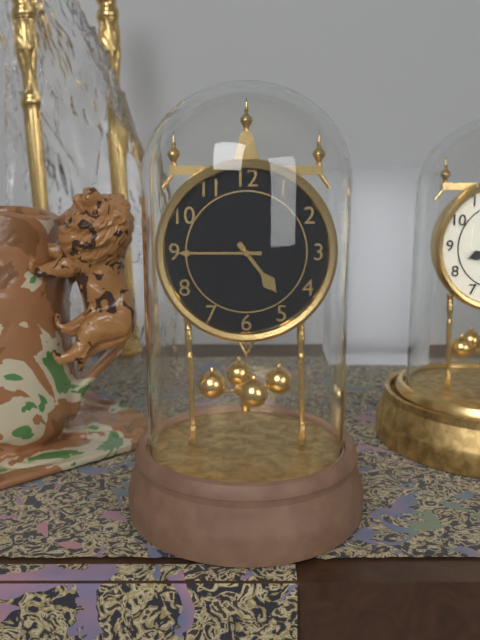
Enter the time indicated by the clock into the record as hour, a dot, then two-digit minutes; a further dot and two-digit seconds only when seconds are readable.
4.45
